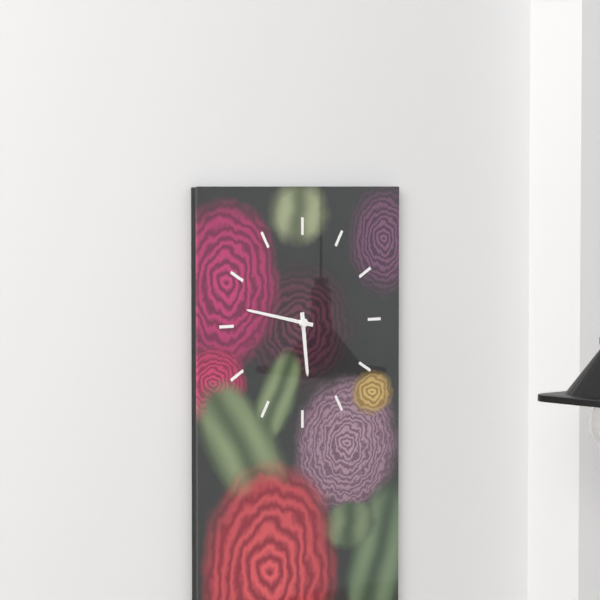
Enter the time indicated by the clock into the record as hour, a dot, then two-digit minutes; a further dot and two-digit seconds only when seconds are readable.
5.47
